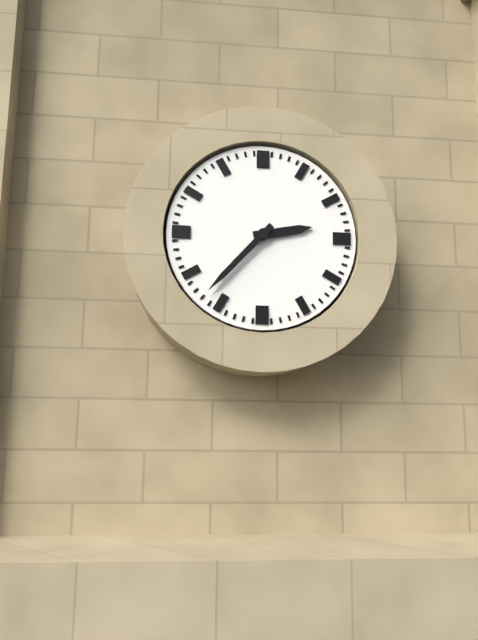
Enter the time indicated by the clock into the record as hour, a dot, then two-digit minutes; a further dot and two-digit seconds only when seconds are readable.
2.37
